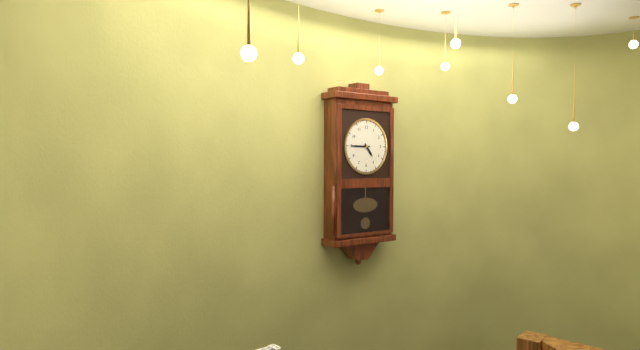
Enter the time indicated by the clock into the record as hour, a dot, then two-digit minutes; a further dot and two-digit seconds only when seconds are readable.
4.45
